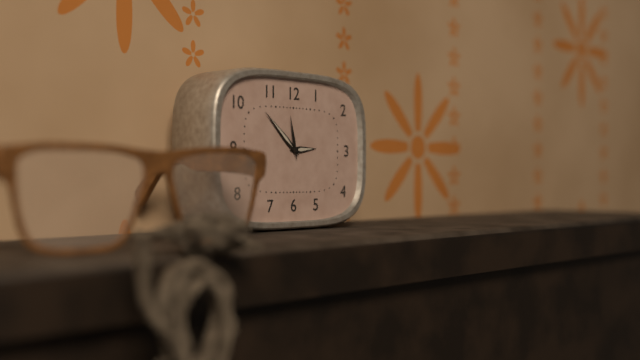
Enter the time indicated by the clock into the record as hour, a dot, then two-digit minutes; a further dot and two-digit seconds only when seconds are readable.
2.52
